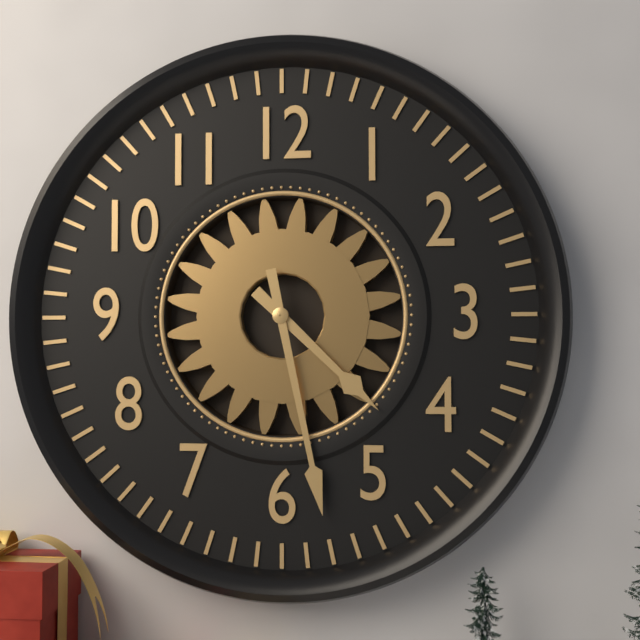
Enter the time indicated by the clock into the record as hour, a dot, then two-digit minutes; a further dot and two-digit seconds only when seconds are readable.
4.28
